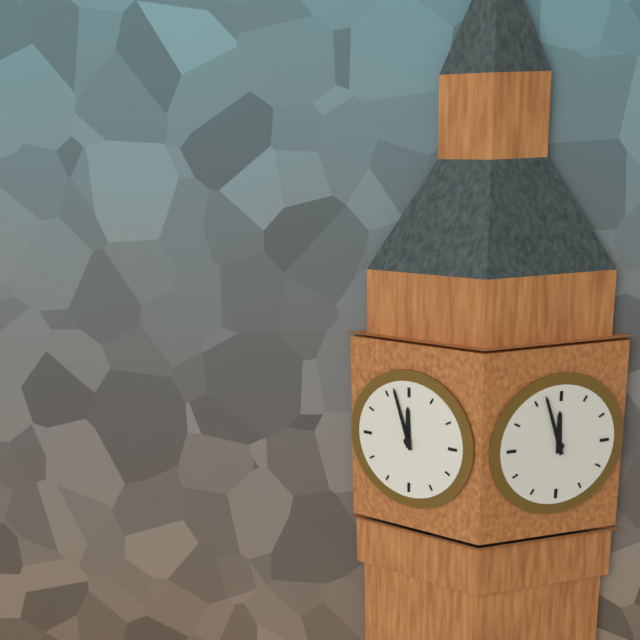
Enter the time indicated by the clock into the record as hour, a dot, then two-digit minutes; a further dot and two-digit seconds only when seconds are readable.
11.57
